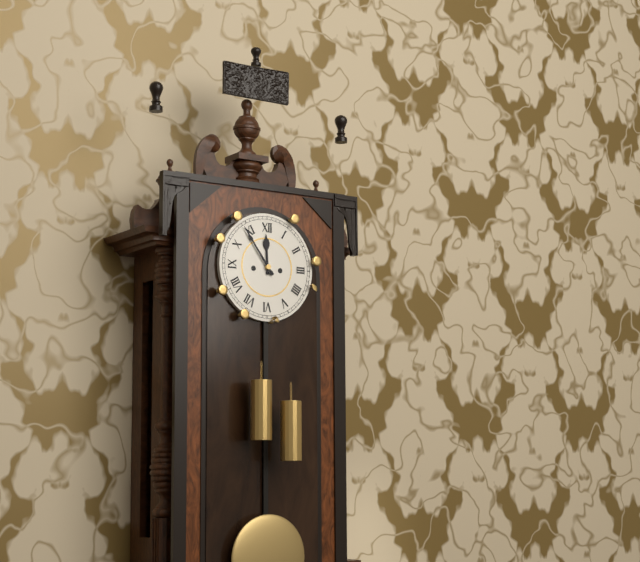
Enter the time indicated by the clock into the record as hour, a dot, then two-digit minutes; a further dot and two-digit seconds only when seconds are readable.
11.54
